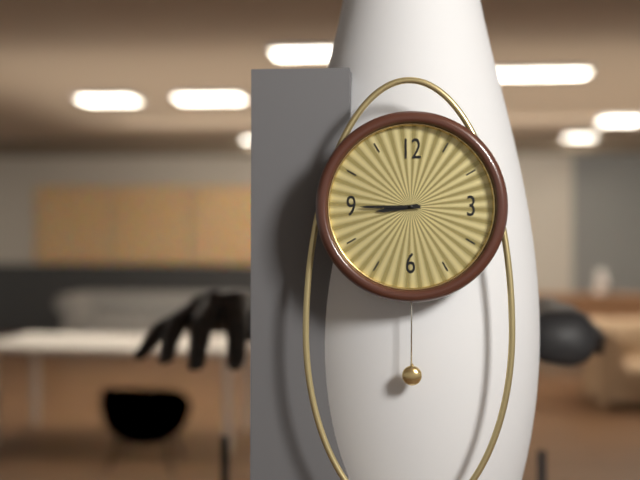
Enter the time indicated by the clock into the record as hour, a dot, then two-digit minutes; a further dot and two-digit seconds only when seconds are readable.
8.45
